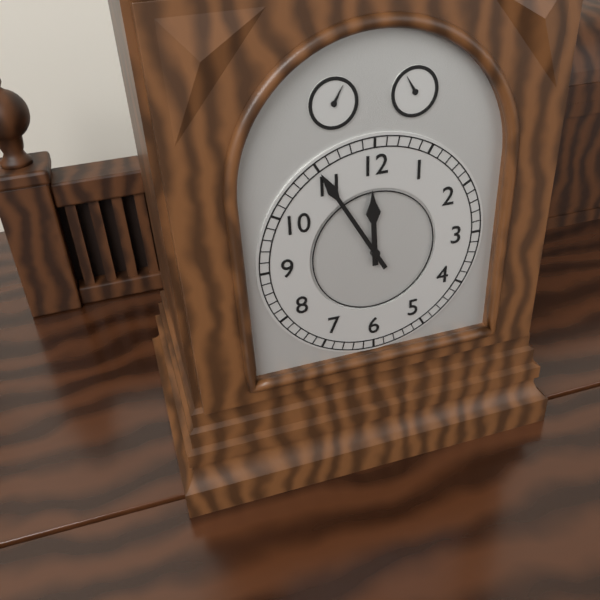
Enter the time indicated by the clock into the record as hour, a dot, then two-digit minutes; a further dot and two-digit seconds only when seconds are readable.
11.55
